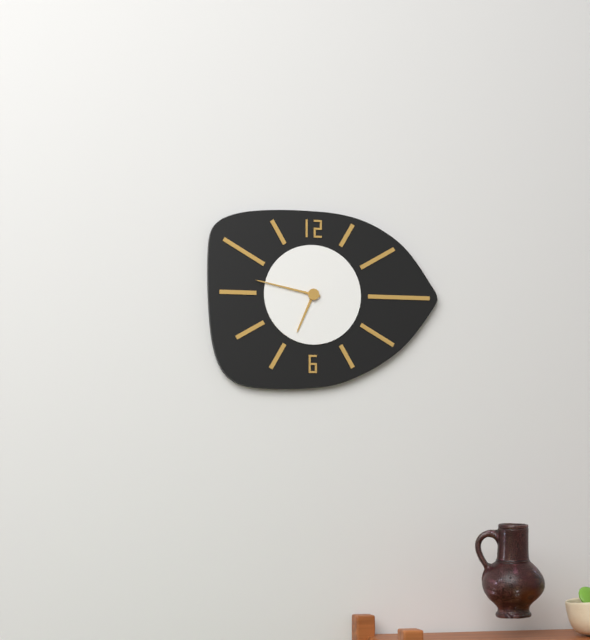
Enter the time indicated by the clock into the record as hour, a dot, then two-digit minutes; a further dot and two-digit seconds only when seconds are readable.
6.47
